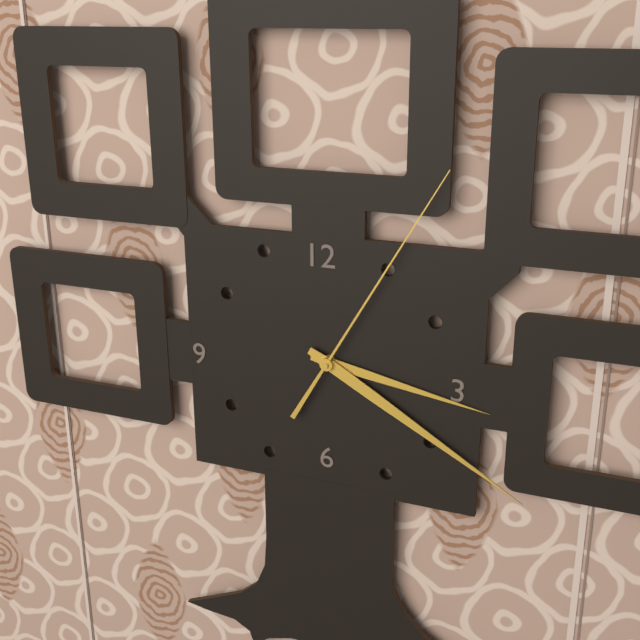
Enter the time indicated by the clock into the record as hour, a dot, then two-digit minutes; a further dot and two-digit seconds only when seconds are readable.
3.20.05
